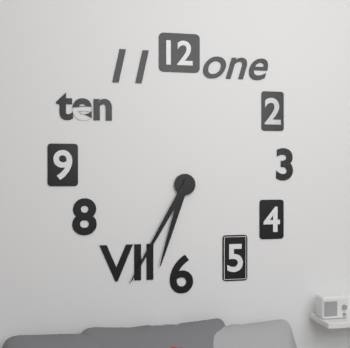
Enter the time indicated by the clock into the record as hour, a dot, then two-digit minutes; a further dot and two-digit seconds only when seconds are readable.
6.35
